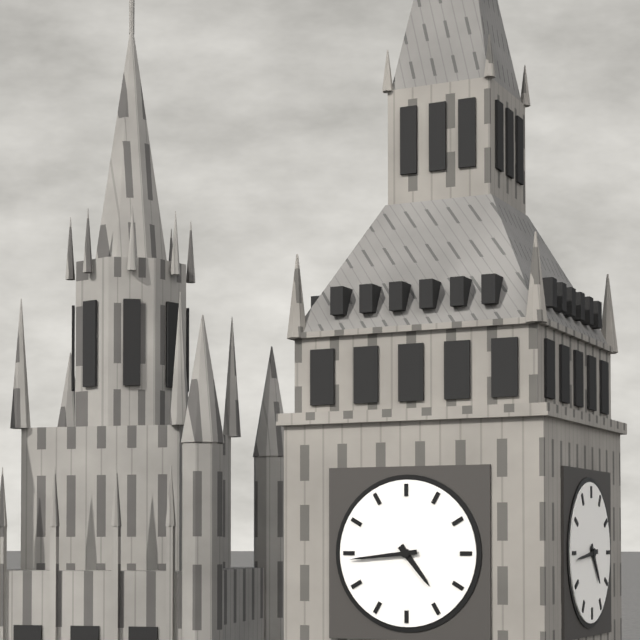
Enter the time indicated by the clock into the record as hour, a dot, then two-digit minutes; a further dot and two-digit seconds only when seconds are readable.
4.44
